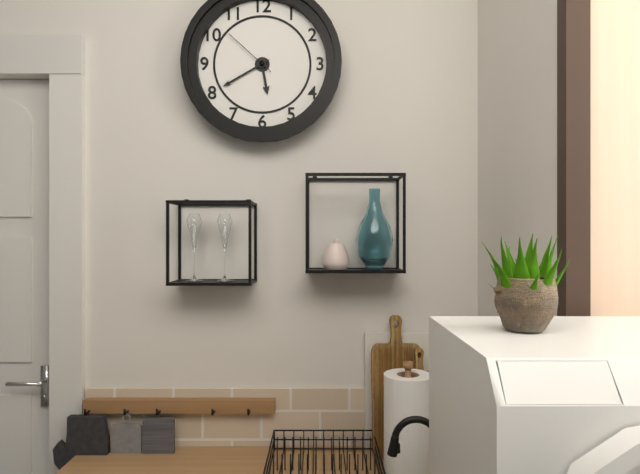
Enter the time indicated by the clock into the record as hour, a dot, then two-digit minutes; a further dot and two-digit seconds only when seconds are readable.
5.40.52
